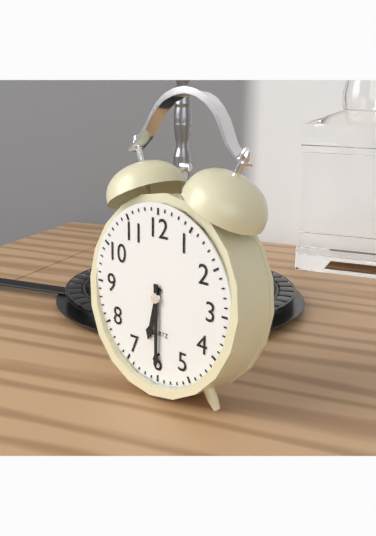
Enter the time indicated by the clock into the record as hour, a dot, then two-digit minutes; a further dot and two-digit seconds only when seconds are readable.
6.30
